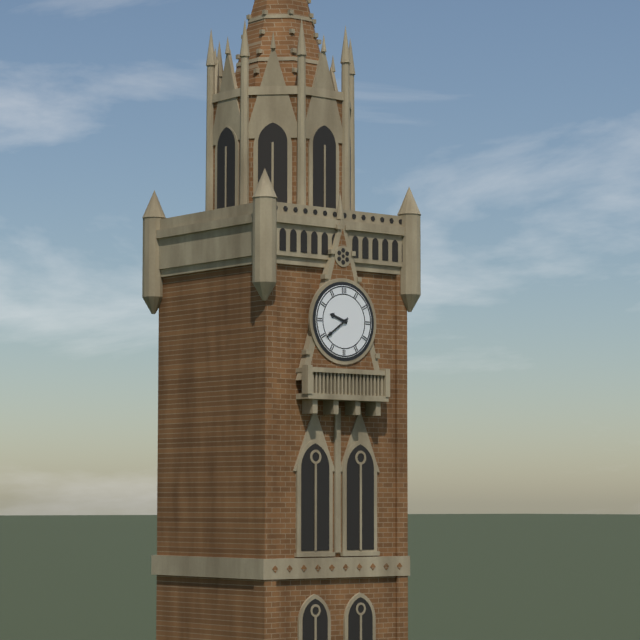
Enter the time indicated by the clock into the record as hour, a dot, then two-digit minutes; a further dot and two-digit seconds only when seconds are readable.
9.39
